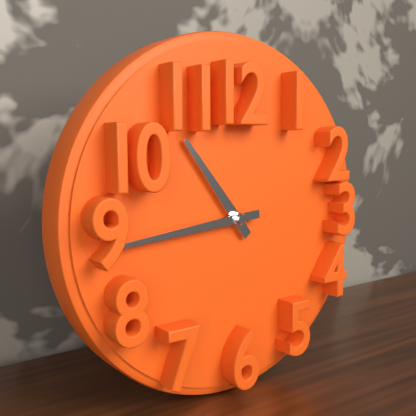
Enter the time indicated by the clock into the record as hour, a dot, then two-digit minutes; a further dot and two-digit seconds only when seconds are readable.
10.44
